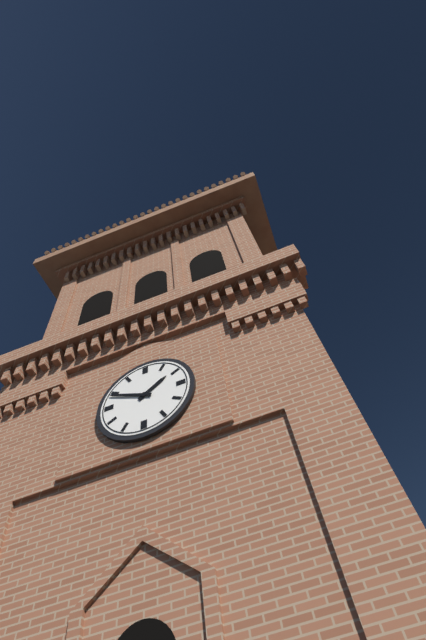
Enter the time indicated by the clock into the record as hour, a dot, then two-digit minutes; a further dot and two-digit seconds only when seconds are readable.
1.49
